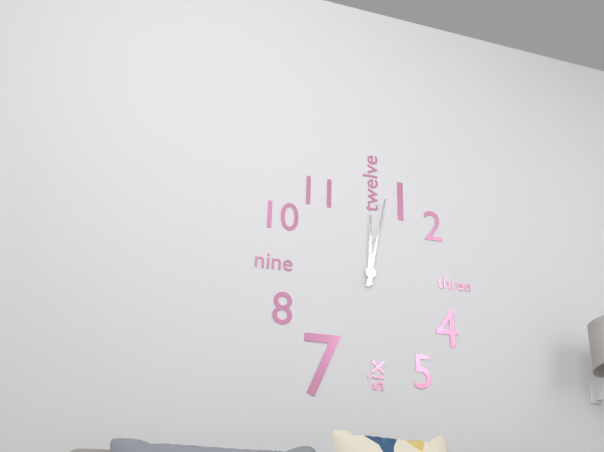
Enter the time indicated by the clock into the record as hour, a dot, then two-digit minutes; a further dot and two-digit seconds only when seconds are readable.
12.02
